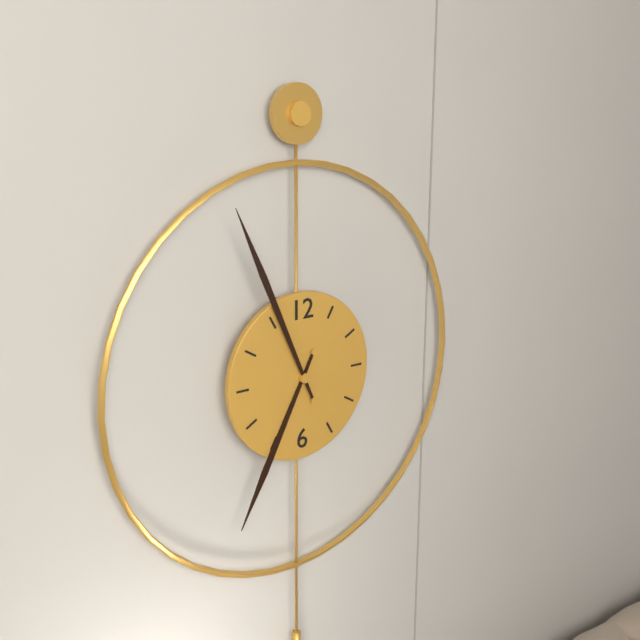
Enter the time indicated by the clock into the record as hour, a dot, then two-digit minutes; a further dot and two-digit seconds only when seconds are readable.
6.56
